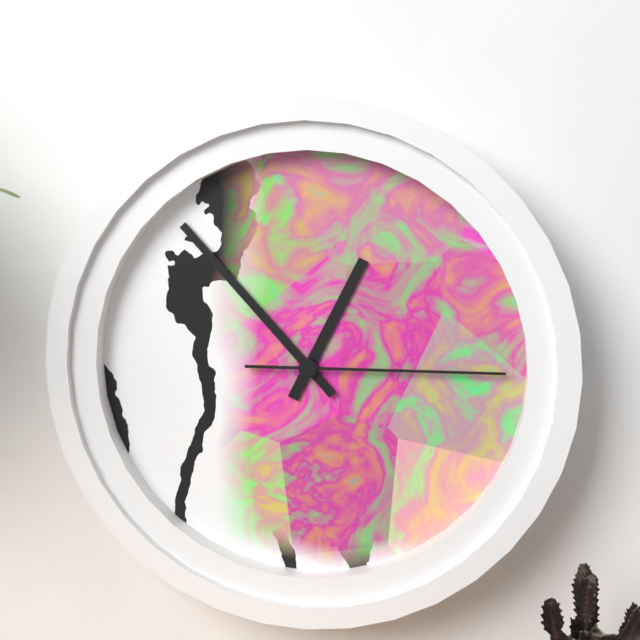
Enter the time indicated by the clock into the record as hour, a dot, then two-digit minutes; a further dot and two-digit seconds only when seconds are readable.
12.53.15
